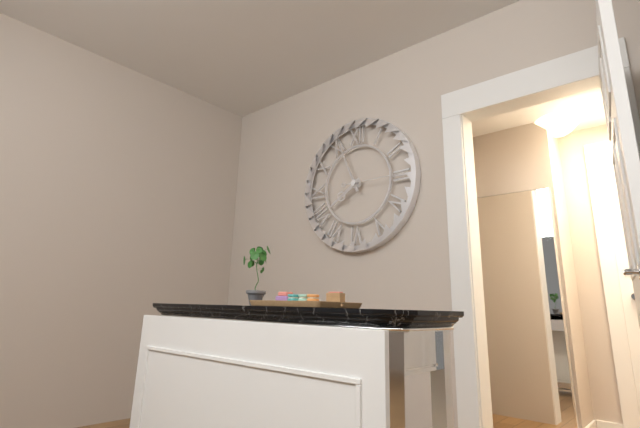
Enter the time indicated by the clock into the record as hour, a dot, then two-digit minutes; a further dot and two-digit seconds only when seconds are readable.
7.56.15
